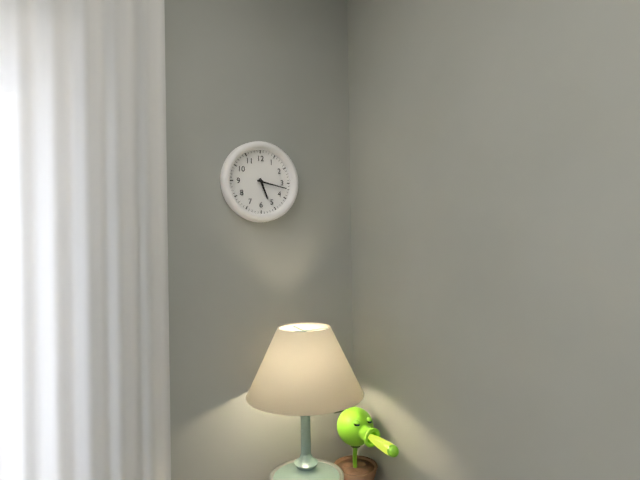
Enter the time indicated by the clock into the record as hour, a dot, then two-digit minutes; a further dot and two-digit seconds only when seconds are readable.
5.17
